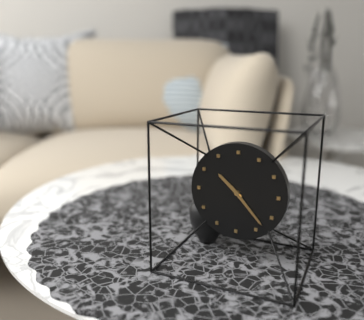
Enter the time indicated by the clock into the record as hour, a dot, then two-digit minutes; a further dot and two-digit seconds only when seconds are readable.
10.23
